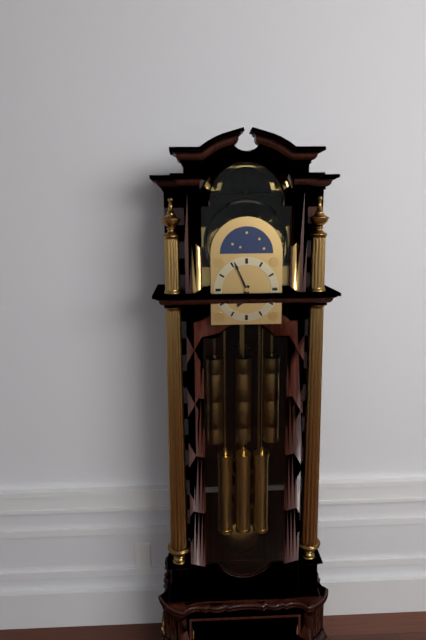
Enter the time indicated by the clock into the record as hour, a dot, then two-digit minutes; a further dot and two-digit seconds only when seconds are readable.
6.56
